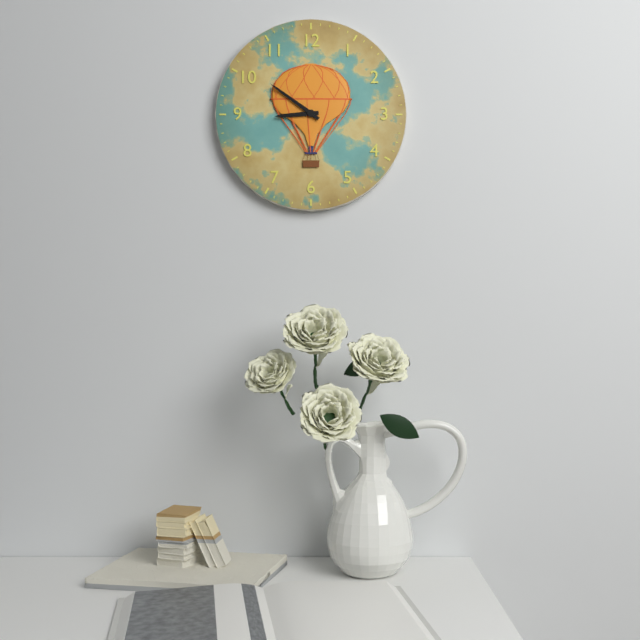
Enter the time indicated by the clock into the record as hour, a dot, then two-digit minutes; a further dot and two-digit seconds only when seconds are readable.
8.51
